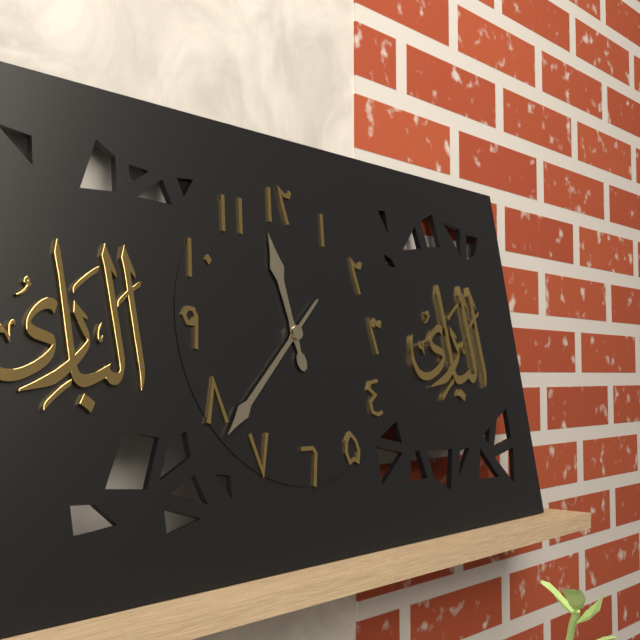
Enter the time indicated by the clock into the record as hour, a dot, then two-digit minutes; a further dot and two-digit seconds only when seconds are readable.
11.38
